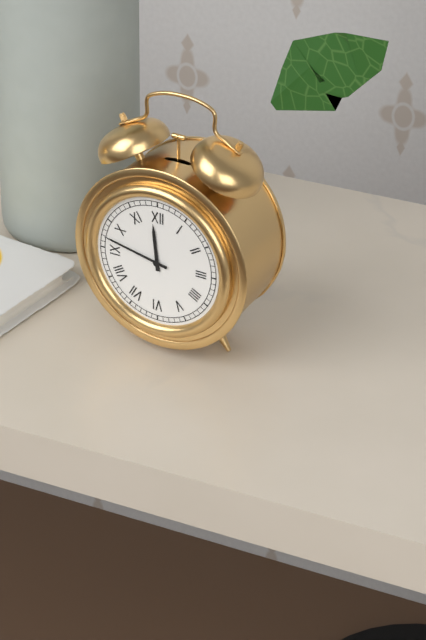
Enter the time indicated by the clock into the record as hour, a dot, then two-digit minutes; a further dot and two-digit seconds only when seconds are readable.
11.47
